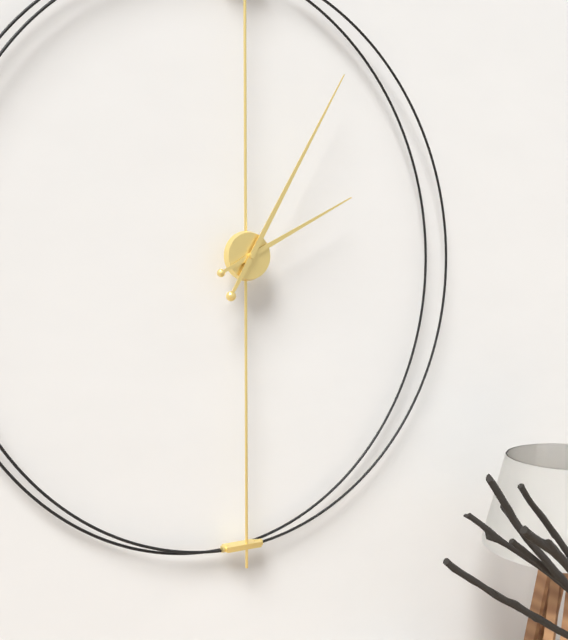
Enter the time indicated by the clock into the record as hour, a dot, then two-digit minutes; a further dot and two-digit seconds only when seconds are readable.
2.05
